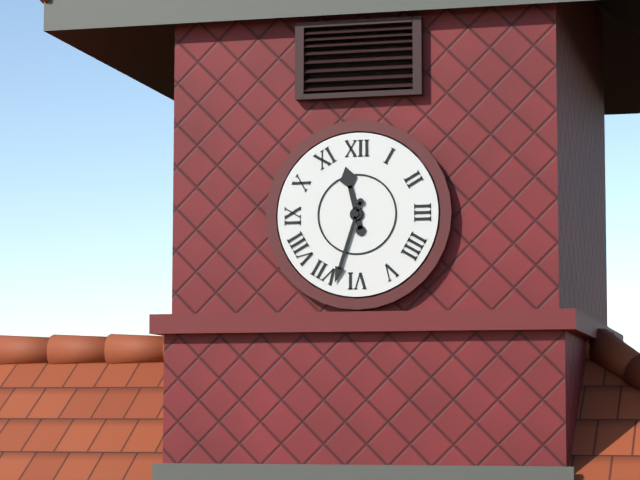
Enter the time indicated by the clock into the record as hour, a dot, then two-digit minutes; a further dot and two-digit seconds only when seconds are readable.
11.33
